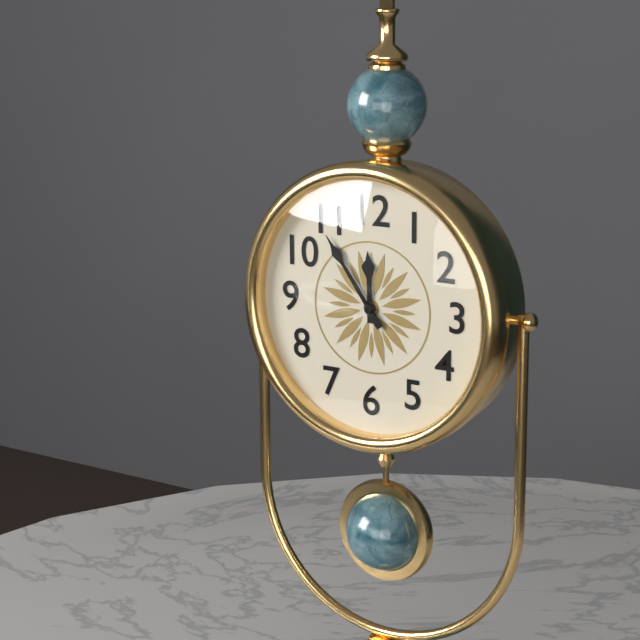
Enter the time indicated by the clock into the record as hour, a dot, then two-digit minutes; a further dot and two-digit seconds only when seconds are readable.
11.54
